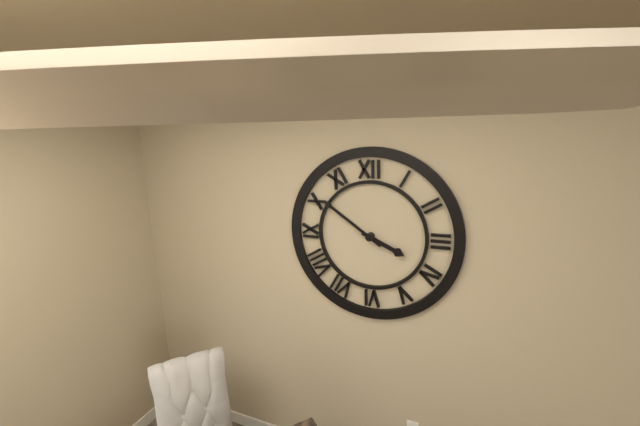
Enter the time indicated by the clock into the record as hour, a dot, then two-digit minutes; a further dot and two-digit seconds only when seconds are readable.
3.51
